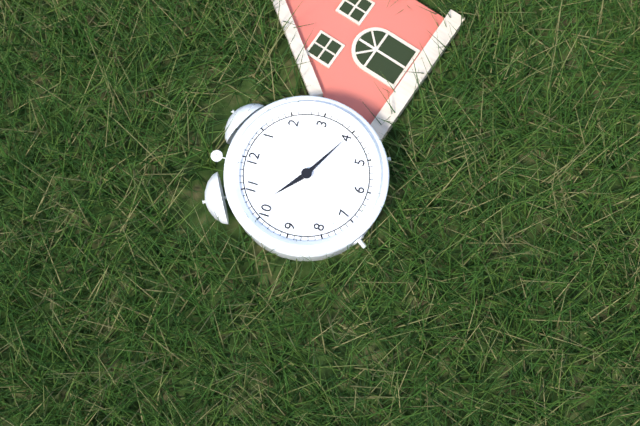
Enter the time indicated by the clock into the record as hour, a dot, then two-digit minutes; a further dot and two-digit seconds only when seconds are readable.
10.20
